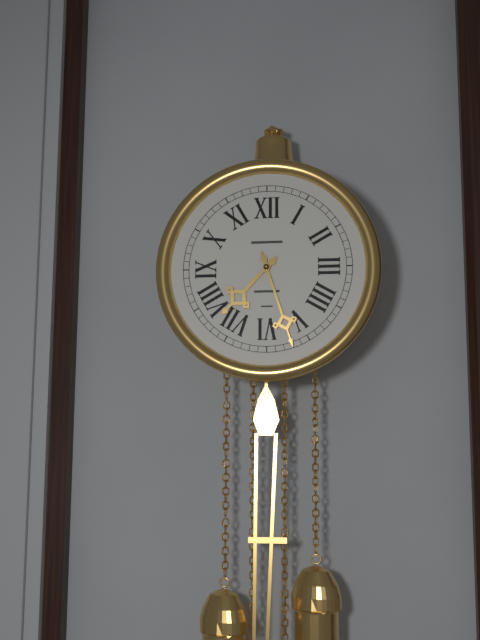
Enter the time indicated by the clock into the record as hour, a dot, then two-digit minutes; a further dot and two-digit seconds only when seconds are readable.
7.27
